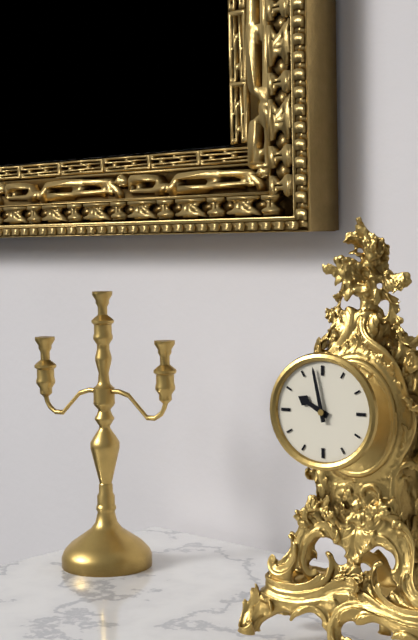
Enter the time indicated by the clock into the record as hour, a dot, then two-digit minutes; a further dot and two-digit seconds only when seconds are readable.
9.58
